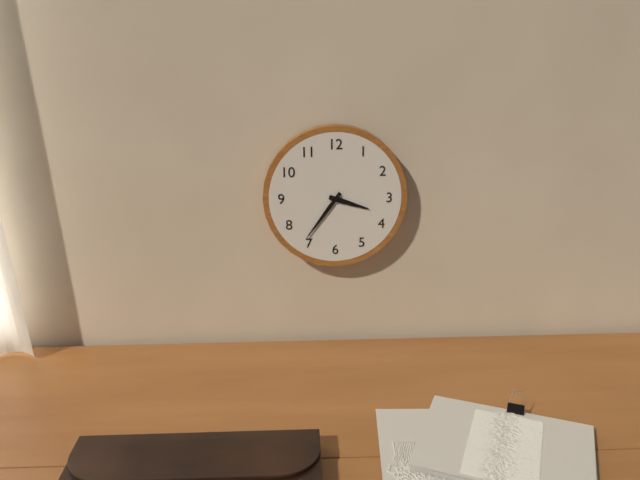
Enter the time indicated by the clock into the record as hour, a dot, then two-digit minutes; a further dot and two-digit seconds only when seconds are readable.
3.36
